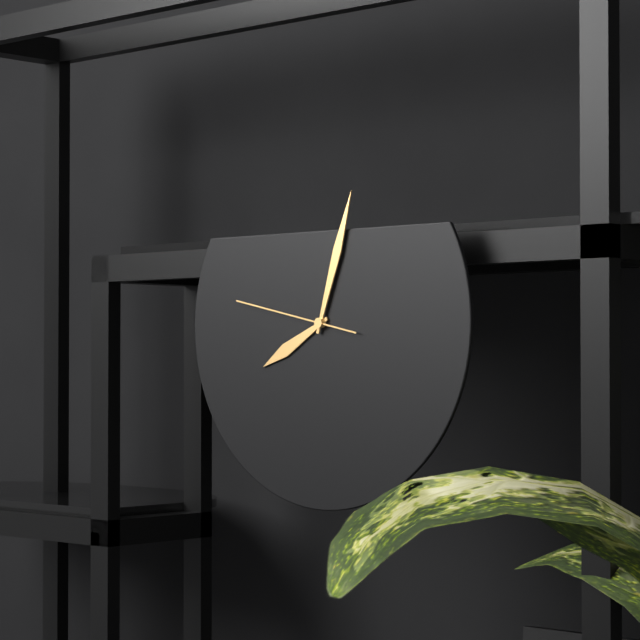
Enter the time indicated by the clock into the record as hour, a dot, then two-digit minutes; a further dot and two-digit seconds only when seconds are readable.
8.03.47
